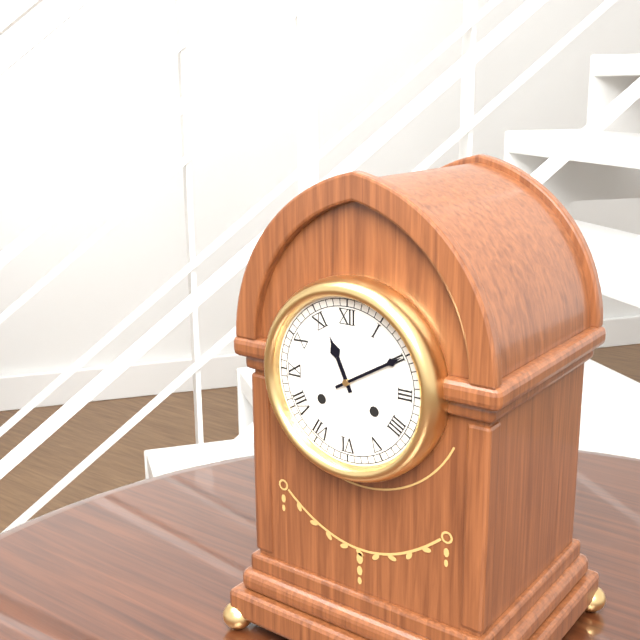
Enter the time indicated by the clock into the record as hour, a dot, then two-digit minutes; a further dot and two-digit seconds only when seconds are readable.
11.10
